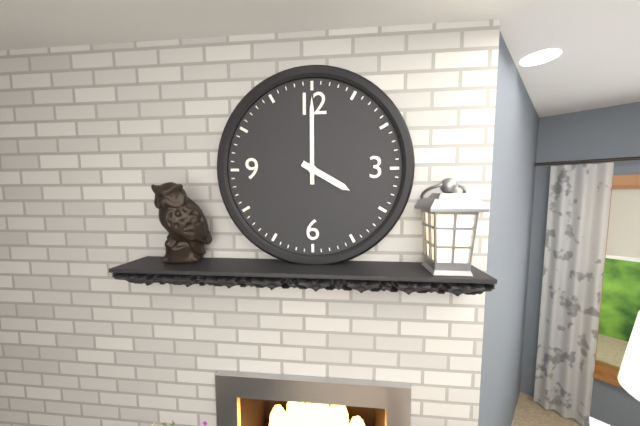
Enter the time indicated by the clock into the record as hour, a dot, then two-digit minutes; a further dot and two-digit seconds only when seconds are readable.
4.00
